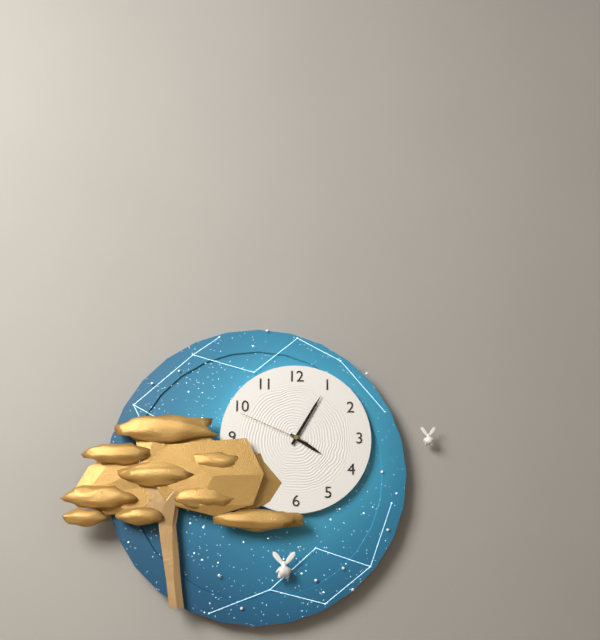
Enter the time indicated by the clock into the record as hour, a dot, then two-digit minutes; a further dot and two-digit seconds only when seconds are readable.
4.05.49
